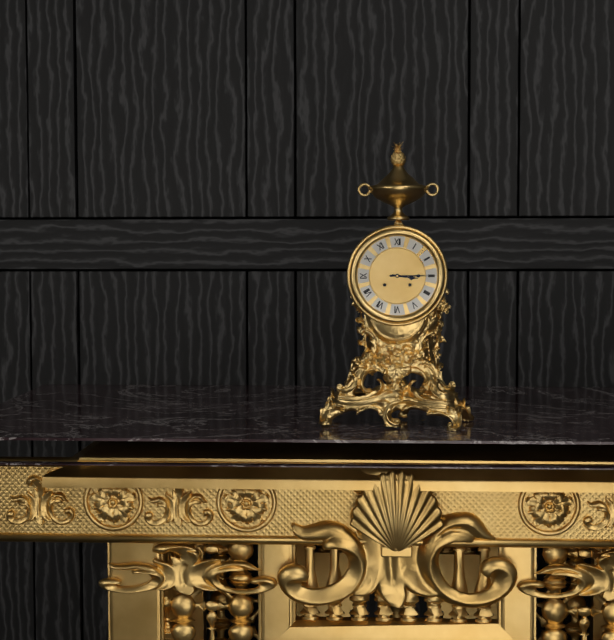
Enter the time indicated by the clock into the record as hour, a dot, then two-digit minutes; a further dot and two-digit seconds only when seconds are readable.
3.15
